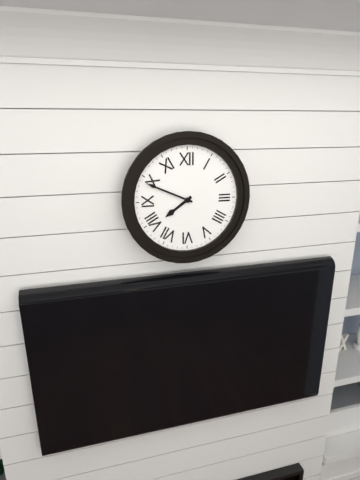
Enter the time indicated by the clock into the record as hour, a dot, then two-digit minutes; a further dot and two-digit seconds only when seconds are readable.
7.49
